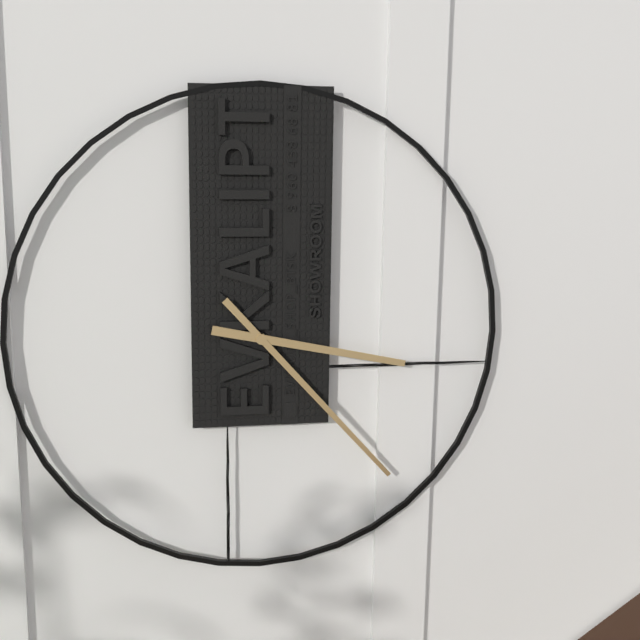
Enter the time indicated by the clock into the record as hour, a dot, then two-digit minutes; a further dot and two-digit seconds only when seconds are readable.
3.23
